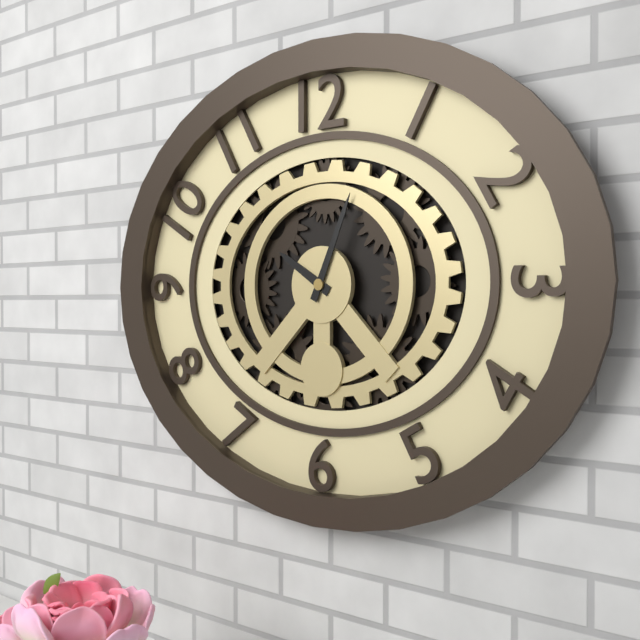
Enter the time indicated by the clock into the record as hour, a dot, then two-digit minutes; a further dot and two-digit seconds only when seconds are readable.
10.04
